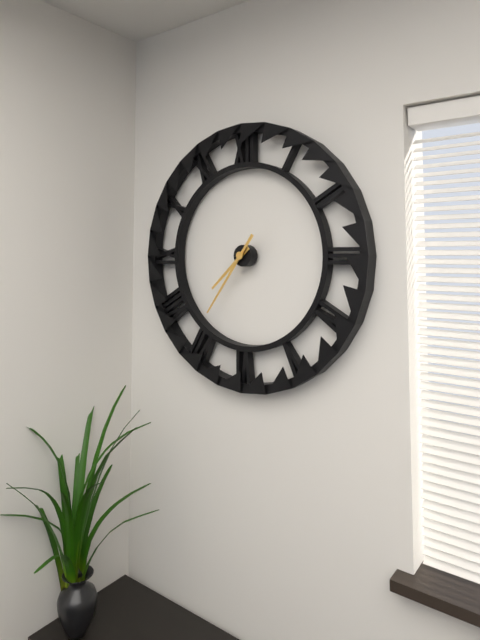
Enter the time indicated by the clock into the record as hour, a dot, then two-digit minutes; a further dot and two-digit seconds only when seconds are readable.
7.36
